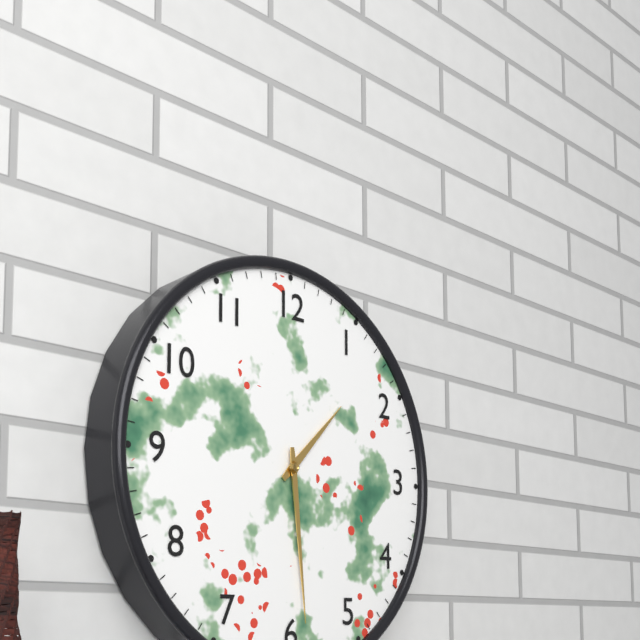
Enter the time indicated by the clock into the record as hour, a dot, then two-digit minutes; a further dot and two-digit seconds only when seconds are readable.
1.29
